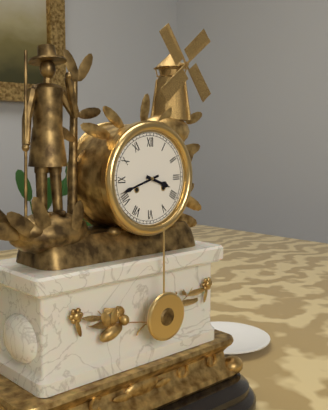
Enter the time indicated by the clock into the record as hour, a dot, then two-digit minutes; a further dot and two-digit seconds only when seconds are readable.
3.42
